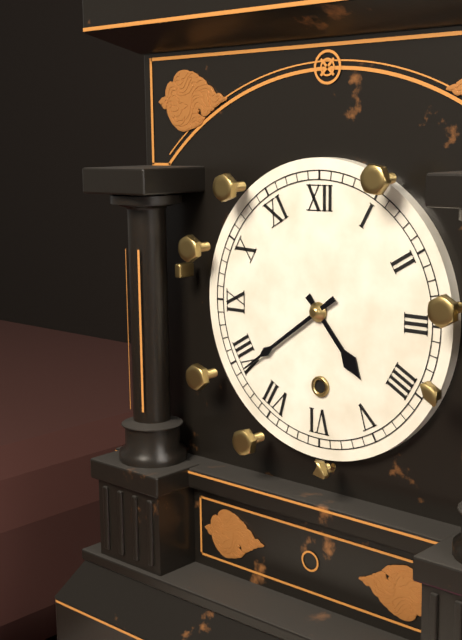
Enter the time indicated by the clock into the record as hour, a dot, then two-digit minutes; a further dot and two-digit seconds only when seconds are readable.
4.39
